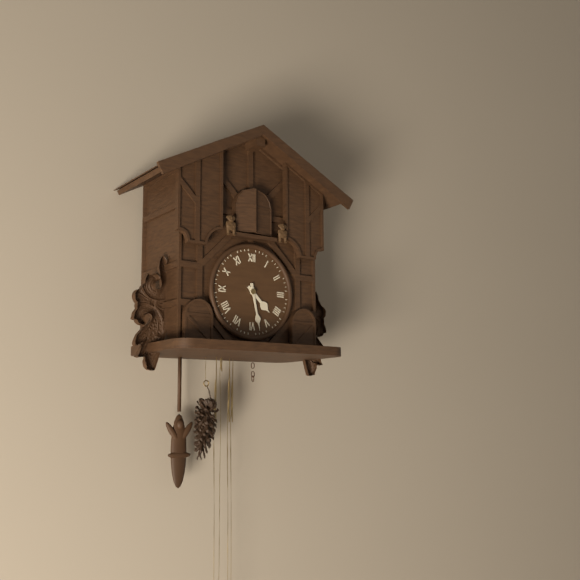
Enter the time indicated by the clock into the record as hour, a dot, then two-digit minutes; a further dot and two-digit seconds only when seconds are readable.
4.28
